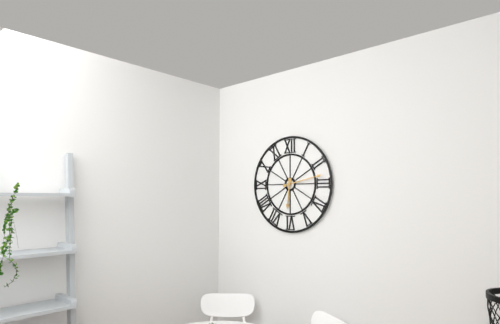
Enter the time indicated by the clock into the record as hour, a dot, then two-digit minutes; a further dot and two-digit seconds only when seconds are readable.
6.13
